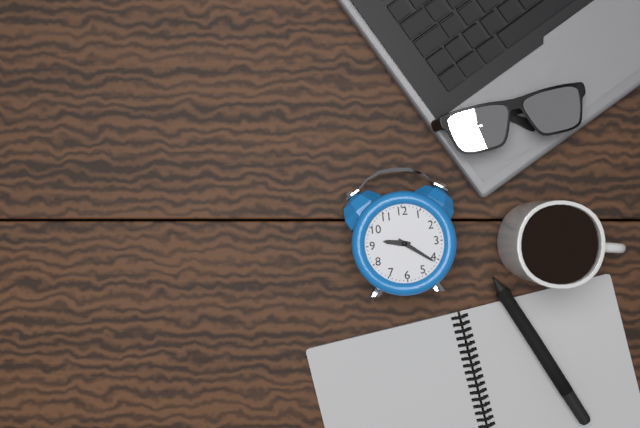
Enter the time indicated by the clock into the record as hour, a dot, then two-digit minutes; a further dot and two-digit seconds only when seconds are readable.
9.21
